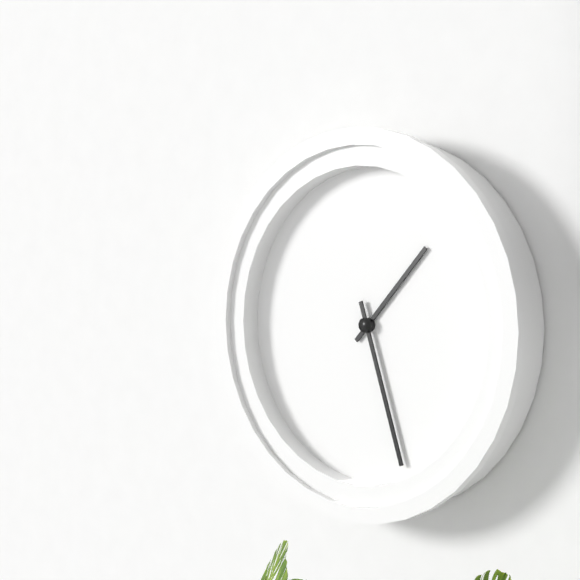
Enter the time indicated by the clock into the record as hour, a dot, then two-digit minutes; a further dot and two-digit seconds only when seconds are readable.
1.27
